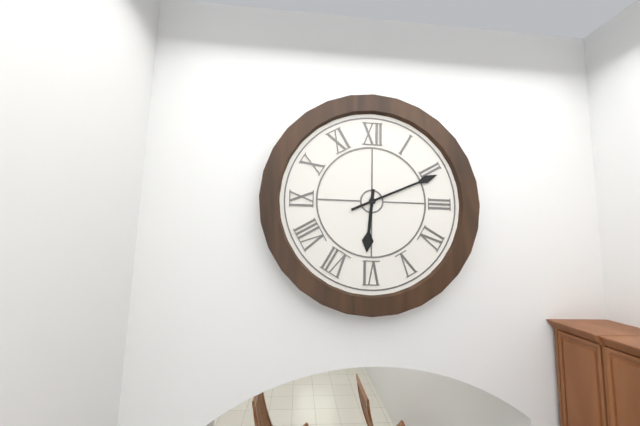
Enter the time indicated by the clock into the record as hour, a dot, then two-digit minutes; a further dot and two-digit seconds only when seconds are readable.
6.11
